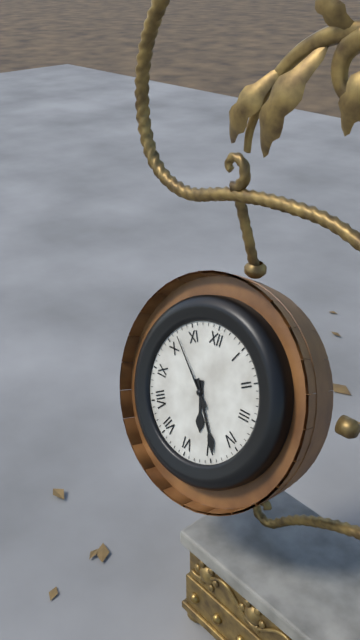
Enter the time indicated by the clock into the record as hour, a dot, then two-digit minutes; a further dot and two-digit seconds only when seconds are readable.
5.24.52
